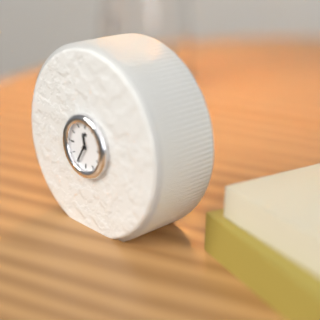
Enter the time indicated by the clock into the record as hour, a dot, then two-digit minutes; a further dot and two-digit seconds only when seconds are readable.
11.35
